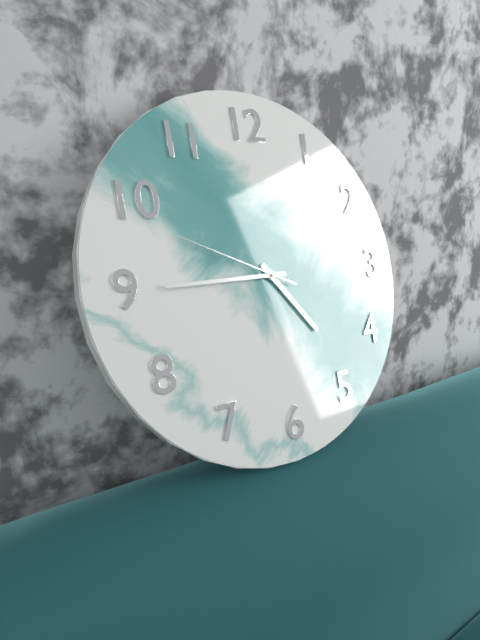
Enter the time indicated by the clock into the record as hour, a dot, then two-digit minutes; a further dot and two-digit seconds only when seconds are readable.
4.45.49
